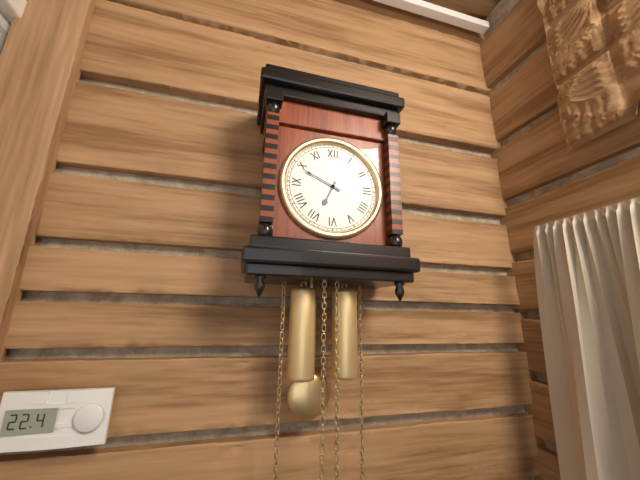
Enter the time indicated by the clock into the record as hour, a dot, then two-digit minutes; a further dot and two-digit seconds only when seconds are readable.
6.49
